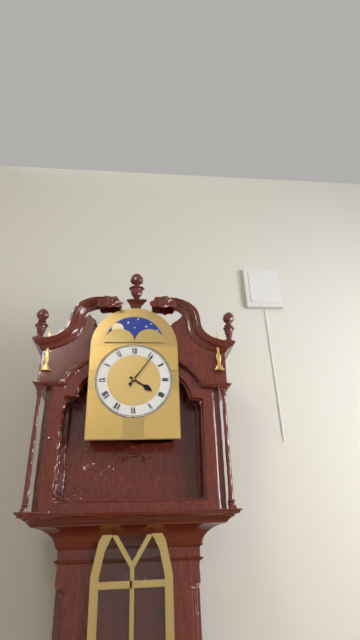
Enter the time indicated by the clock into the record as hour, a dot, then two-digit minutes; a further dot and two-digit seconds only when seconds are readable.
4.06
